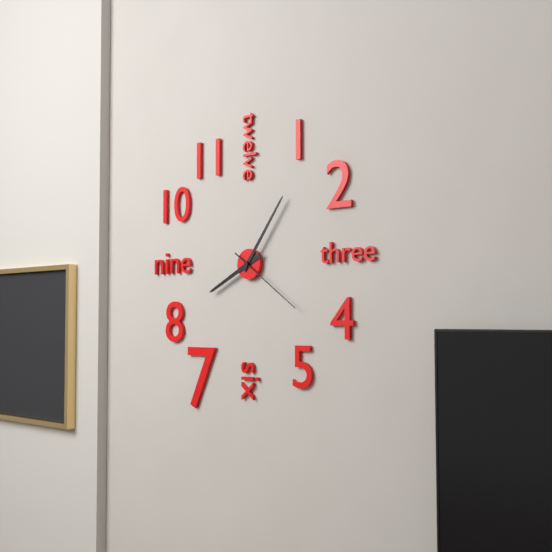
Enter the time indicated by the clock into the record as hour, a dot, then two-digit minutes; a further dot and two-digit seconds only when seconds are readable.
8.06.21
